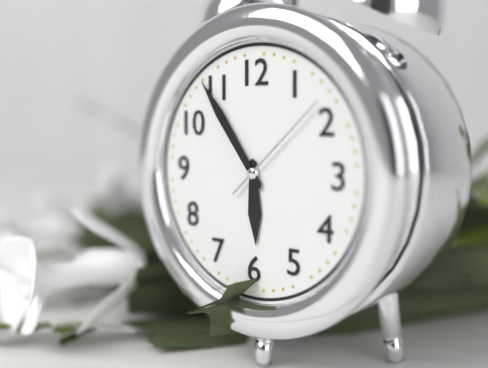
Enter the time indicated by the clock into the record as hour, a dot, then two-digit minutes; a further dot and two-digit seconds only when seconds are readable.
5.54.08
